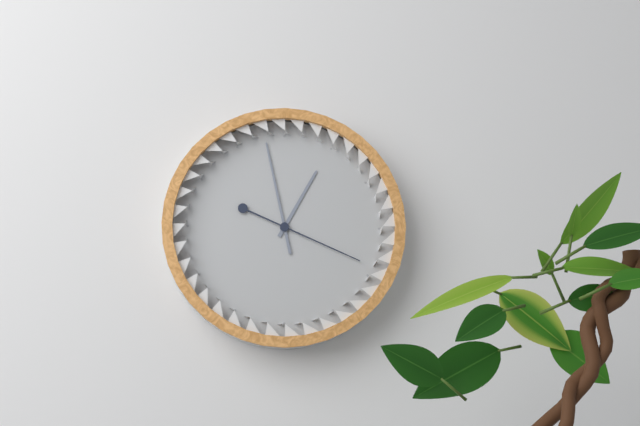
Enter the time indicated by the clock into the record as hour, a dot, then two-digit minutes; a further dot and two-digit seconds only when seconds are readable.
12.58.19
